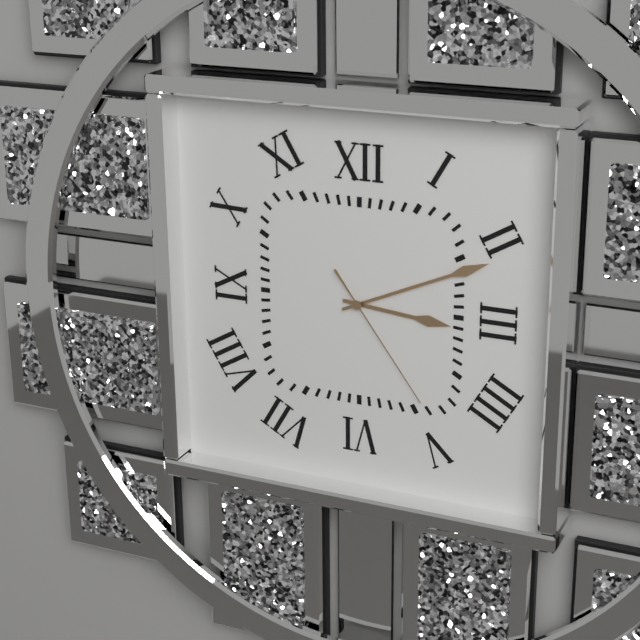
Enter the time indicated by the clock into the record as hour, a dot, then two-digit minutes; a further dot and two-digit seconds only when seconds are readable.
3.11.24
